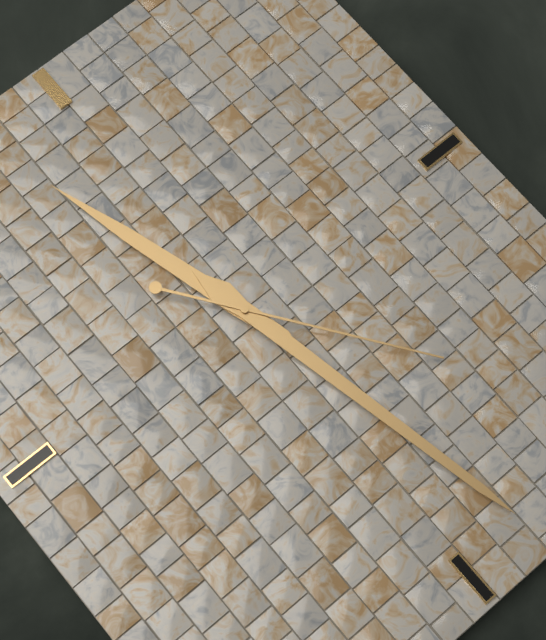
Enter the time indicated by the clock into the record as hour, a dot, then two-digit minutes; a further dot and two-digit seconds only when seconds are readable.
11.28.24
